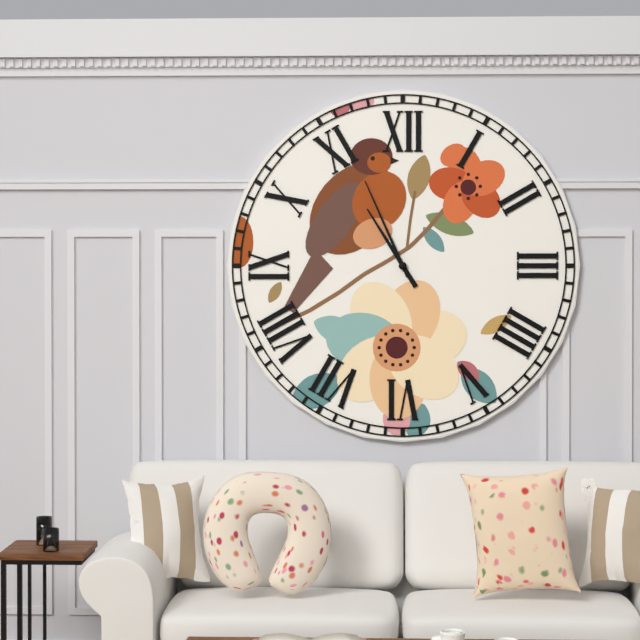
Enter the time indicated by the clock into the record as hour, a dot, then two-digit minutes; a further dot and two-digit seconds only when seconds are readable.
10.56
